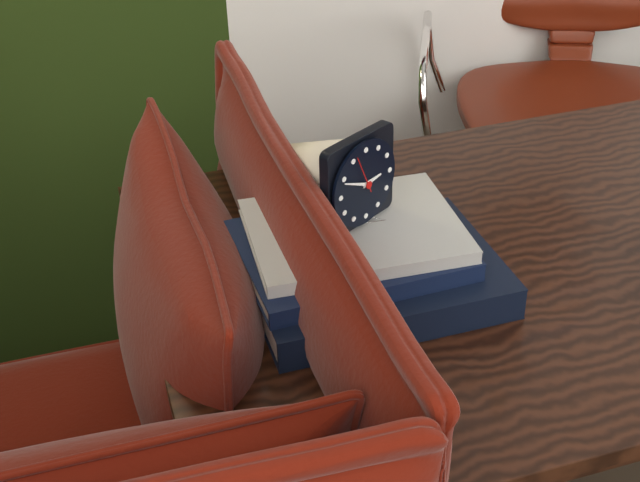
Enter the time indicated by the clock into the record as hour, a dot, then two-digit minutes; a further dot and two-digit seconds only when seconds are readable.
2.49
